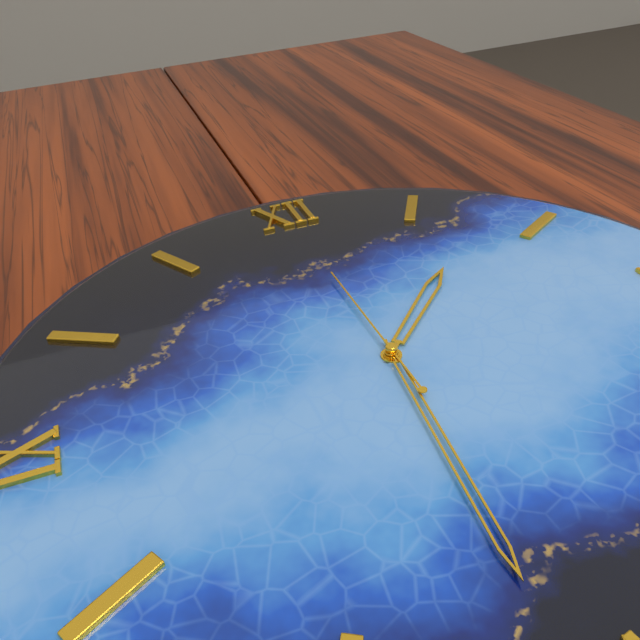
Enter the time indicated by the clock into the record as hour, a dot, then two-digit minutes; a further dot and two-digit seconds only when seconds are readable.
1.31.00
